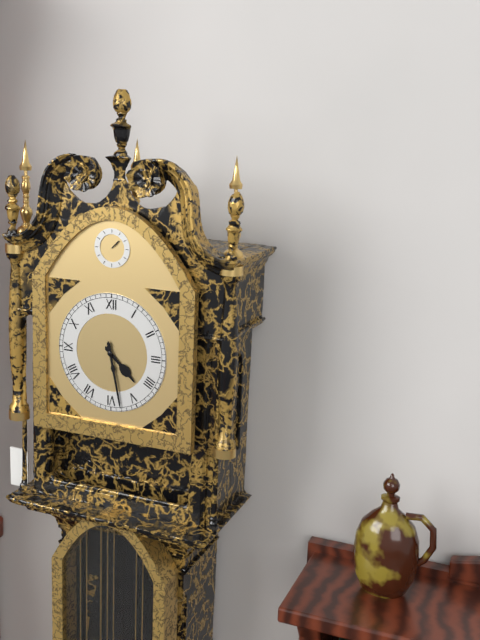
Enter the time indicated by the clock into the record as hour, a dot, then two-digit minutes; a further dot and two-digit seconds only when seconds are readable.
4.28
